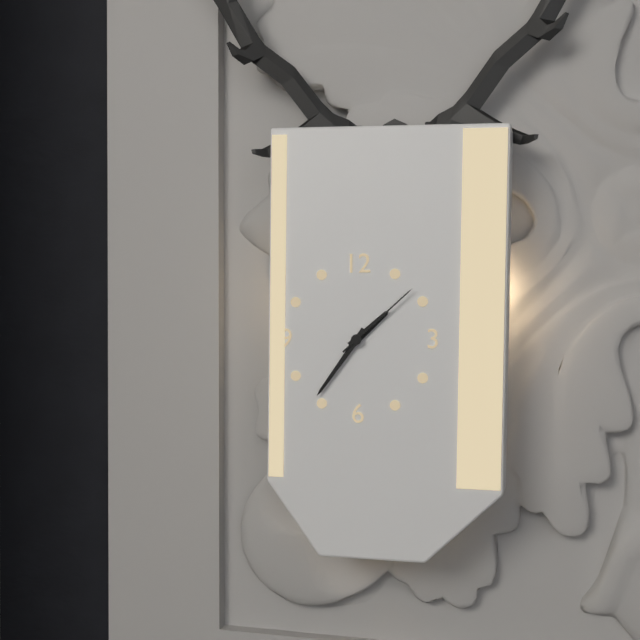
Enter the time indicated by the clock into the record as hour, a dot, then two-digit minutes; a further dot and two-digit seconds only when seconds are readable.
1.36.08
